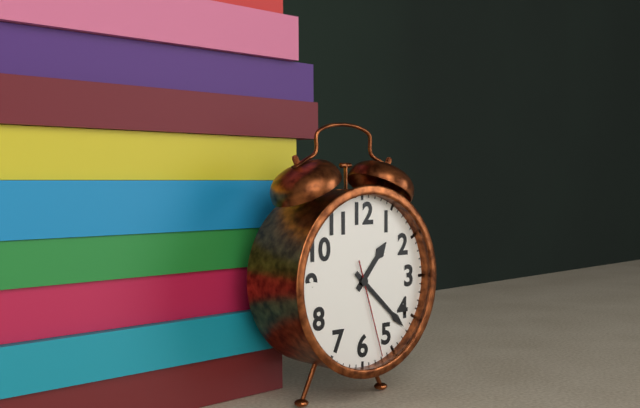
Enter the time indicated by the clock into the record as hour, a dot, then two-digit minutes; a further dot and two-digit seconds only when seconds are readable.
1.22.27
